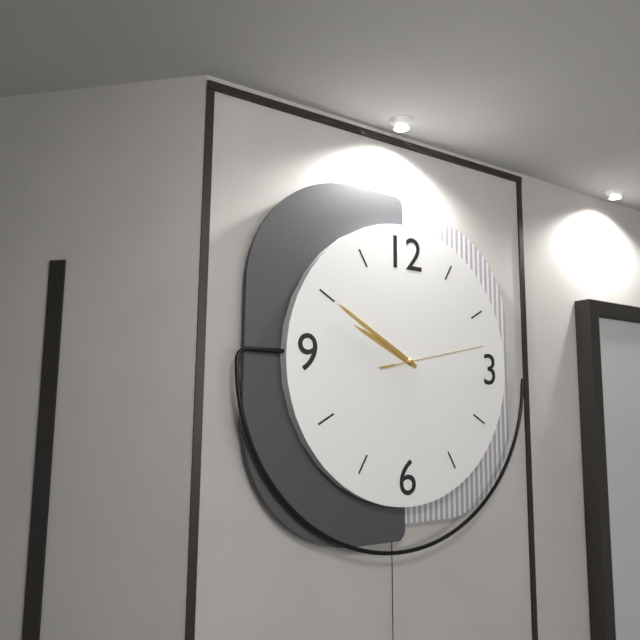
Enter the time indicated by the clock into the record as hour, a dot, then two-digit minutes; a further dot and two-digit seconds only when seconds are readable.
9.50.13
